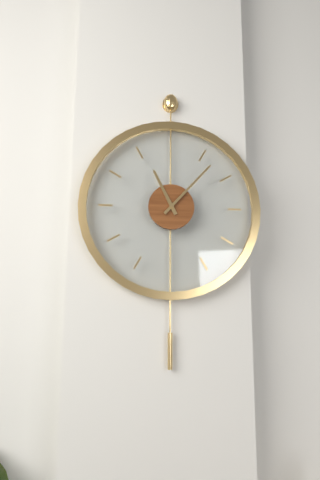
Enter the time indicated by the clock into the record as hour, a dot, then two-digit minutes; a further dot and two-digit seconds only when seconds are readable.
11.07
